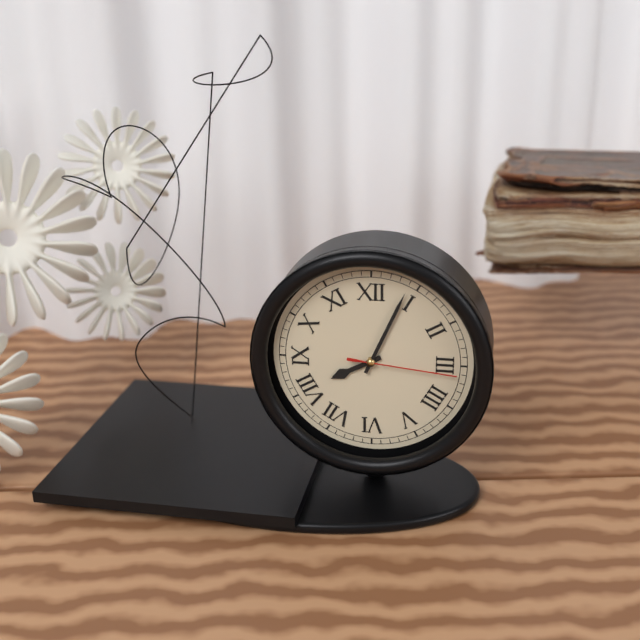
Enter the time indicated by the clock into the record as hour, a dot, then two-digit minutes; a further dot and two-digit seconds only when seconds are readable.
8.04.16
